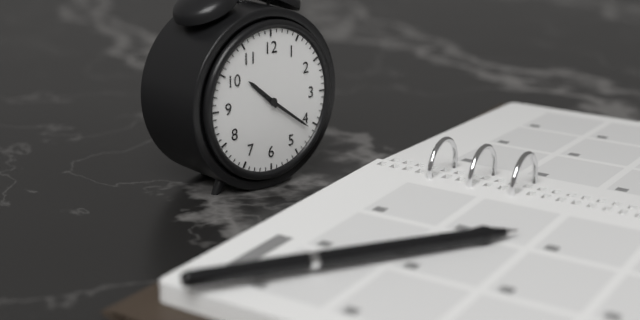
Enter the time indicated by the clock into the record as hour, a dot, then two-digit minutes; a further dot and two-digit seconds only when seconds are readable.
10.21
